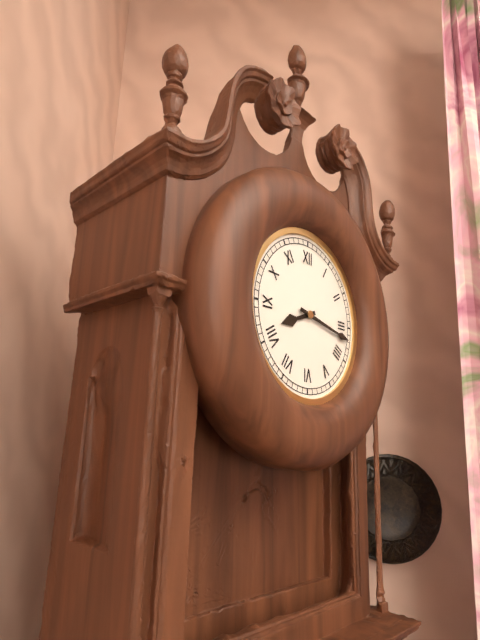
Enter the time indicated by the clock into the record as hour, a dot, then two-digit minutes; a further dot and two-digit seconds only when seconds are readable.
8.17
